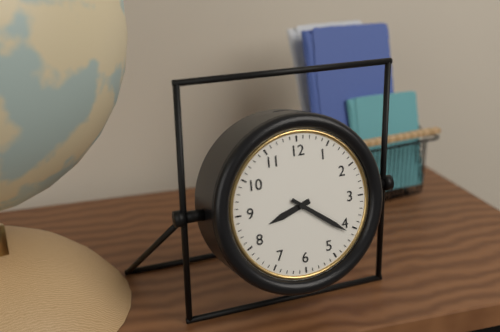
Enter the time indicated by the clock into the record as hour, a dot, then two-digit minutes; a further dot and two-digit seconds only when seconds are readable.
8.21
